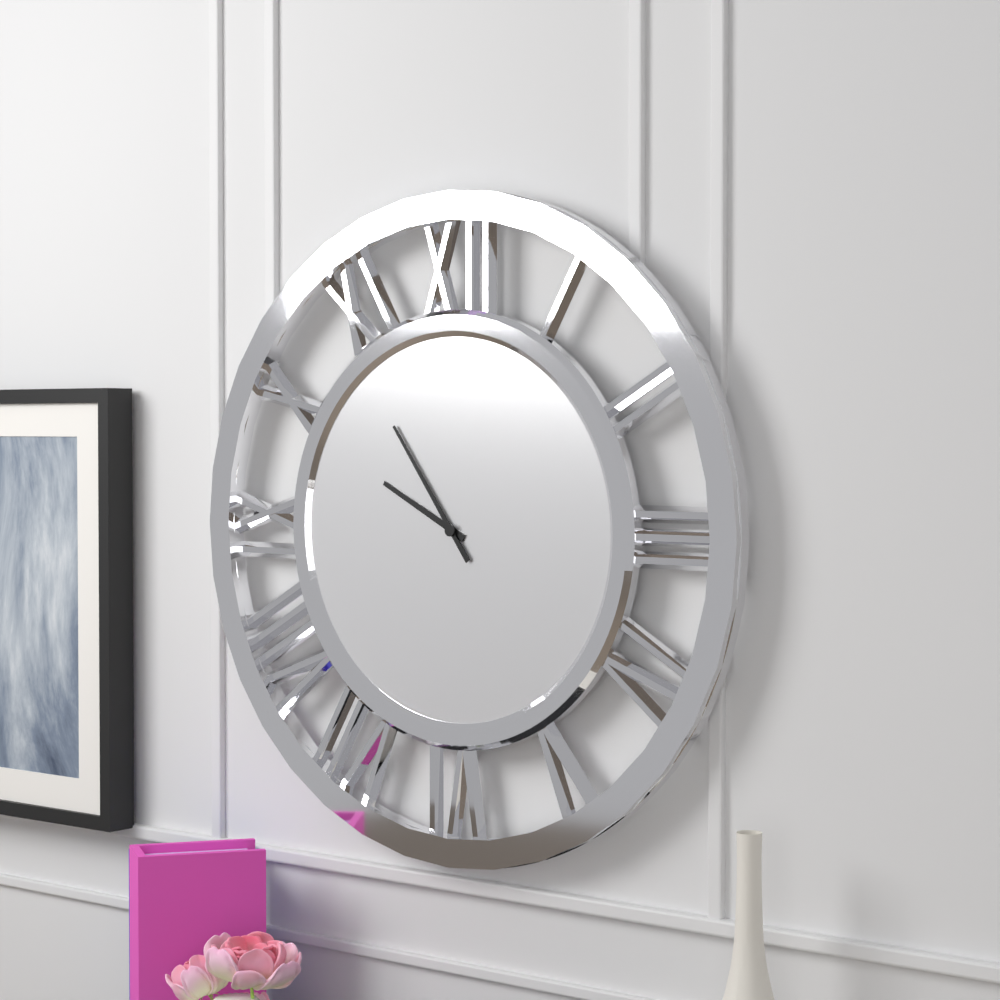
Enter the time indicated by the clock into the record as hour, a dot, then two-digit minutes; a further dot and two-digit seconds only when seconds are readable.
9.54
